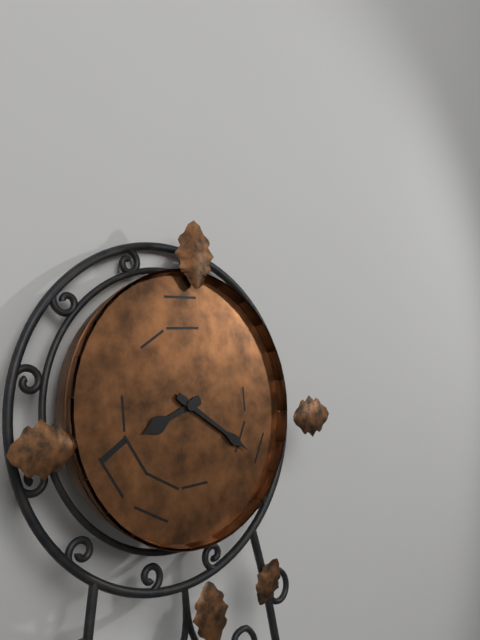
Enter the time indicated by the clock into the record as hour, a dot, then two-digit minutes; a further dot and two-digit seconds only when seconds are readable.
8.21
